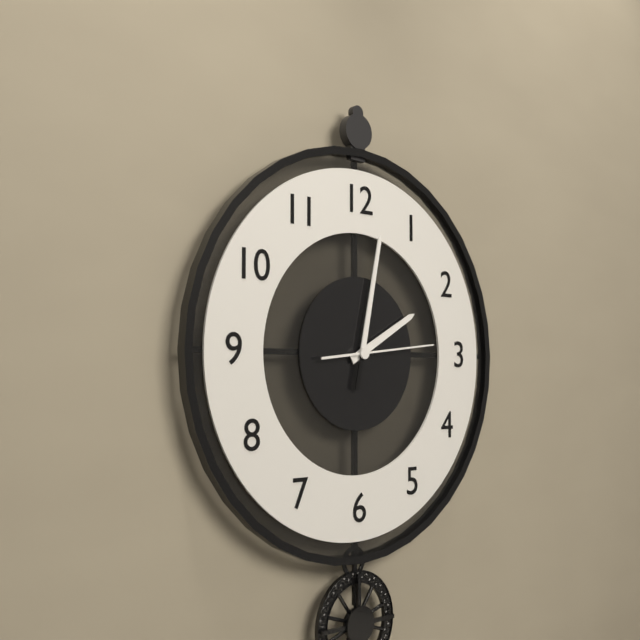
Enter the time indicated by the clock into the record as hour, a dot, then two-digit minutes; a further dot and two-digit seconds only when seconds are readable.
2.02.14
